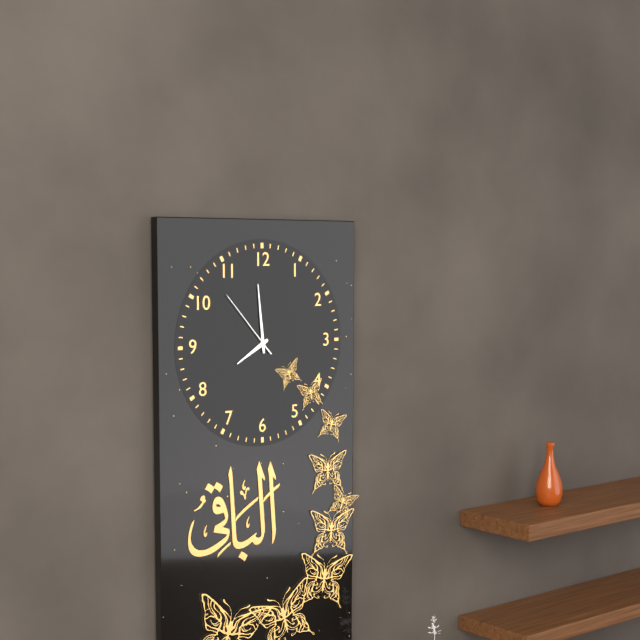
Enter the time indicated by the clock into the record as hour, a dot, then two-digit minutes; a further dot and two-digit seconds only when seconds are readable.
7.59.53
